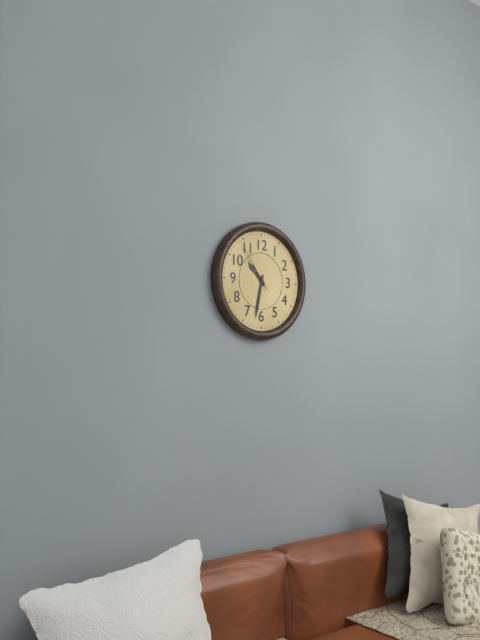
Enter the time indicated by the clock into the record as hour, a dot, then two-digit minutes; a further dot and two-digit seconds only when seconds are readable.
10.32
